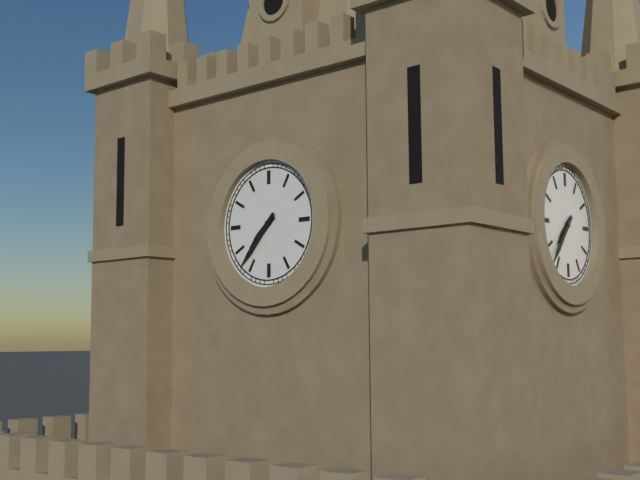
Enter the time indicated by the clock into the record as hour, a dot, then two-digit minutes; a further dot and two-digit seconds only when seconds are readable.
7.37
